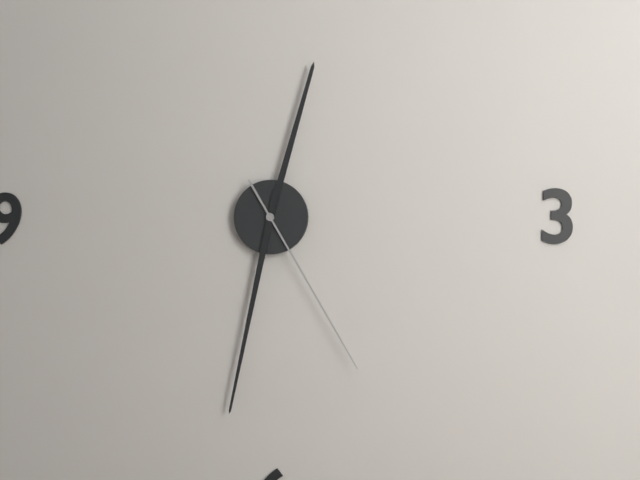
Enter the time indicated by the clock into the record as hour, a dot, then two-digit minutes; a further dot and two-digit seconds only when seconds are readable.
12.32.25
